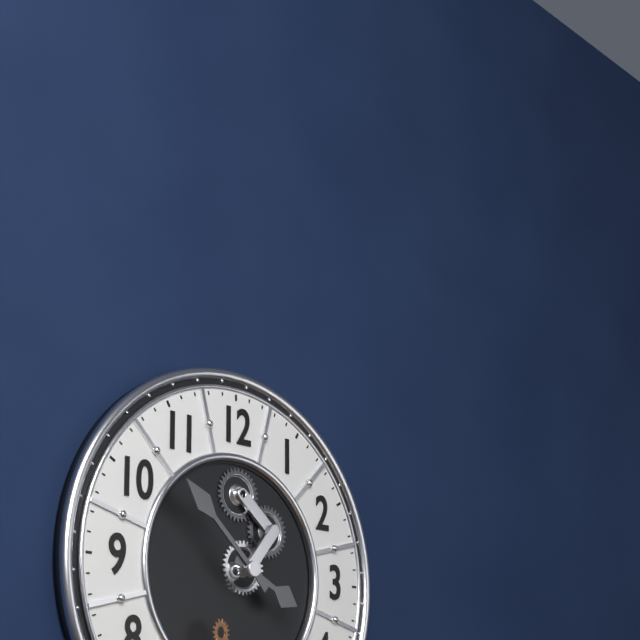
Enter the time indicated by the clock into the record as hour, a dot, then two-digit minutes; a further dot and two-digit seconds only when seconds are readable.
3.52
